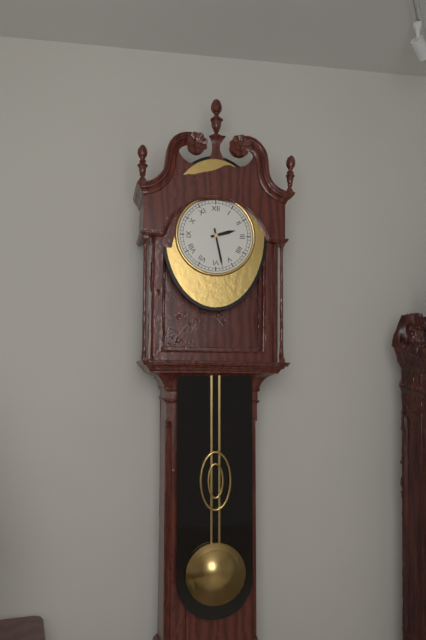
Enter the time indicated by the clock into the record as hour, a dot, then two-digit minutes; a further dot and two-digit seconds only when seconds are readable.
2.28
